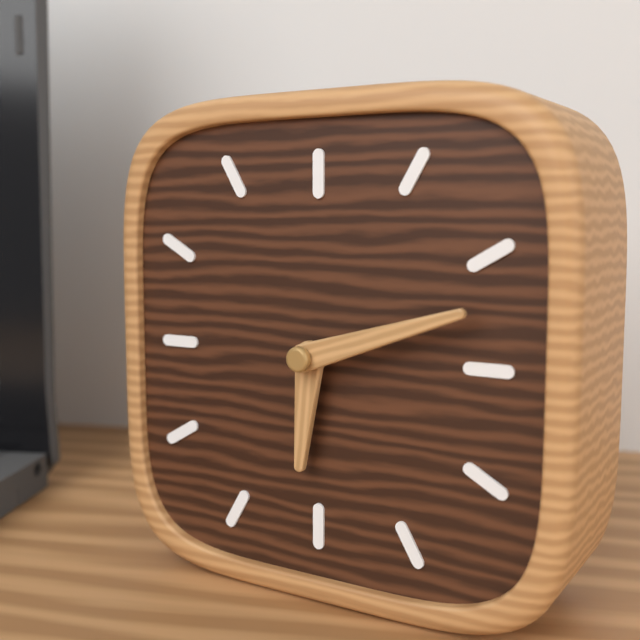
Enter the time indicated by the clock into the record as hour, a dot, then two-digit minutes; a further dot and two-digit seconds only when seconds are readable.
6.12
